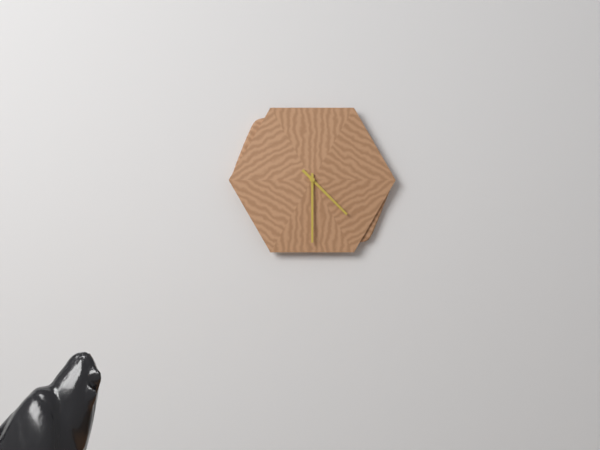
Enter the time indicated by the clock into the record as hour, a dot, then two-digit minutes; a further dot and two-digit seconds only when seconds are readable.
4.30
